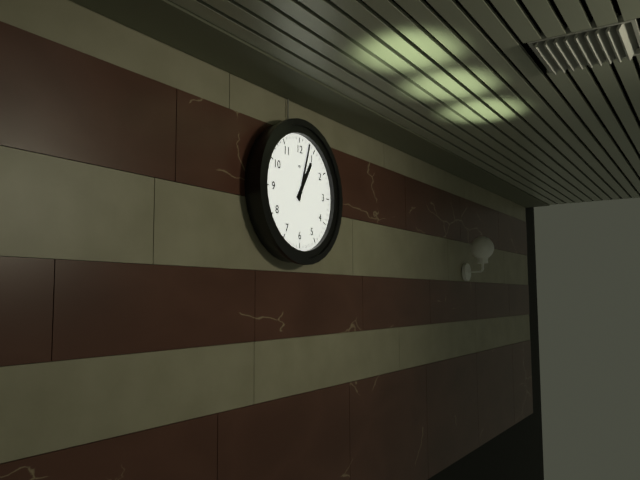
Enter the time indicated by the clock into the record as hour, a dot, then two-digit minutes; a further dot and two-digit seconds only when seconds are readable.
1.03
